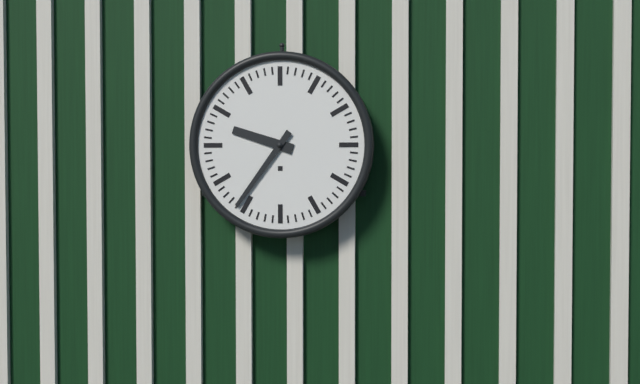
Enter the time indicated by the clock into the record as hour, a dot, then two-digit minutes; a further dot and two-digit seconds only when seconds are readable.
9.36
